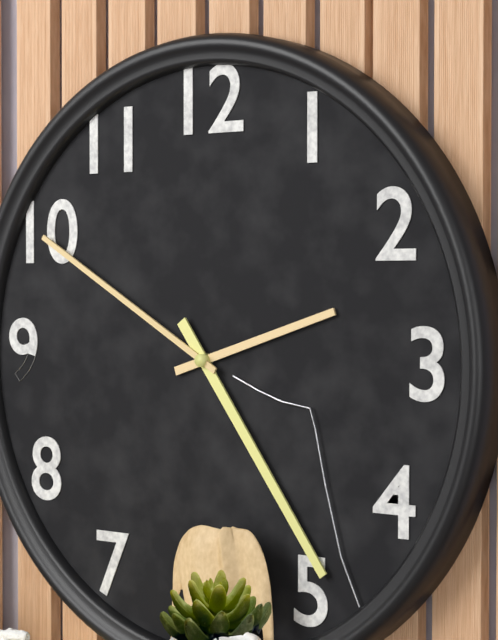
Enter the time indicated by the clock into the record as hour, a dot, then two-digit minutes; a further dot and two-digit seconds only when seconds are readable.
2.24.50
